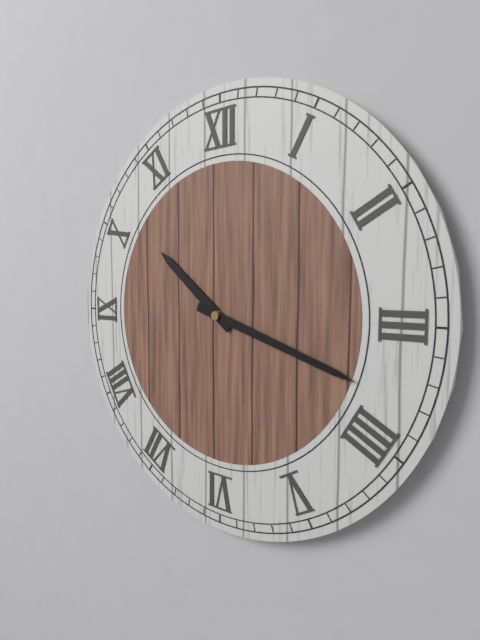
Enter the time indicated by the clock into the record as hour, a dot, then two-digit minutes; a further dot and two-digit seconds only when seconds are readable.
10.18
